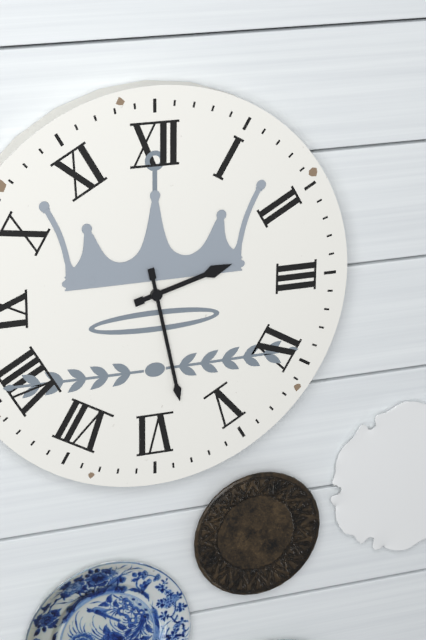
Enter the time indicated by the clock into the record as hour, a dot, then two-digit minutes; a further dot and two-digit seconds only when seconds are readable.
2.28
